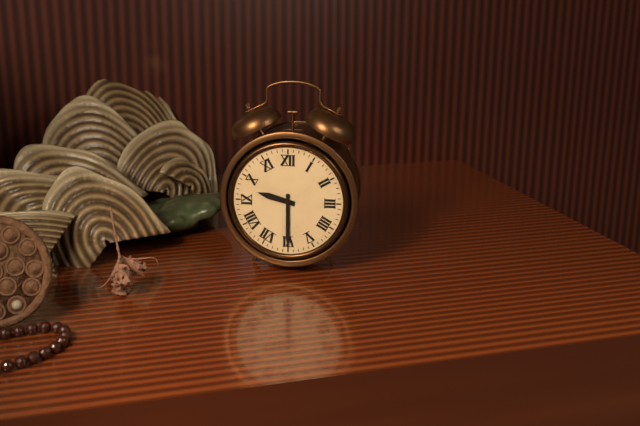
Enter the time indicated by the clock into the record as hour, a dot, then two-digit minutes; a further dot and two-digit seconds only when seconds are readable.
9.30
